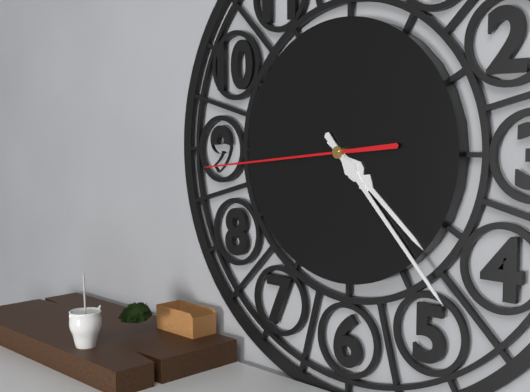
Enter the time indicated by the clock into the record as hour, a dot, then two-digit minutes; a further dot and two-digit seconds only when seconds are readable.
4.23.44
